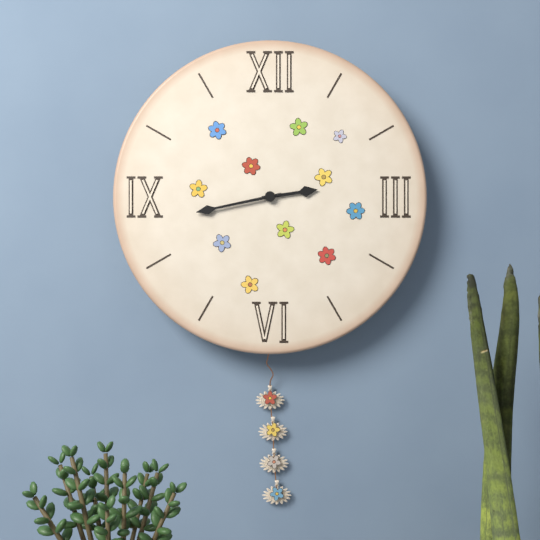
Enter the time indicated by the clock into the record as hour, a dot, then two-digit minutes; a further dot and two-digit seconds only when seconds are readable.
2.43
